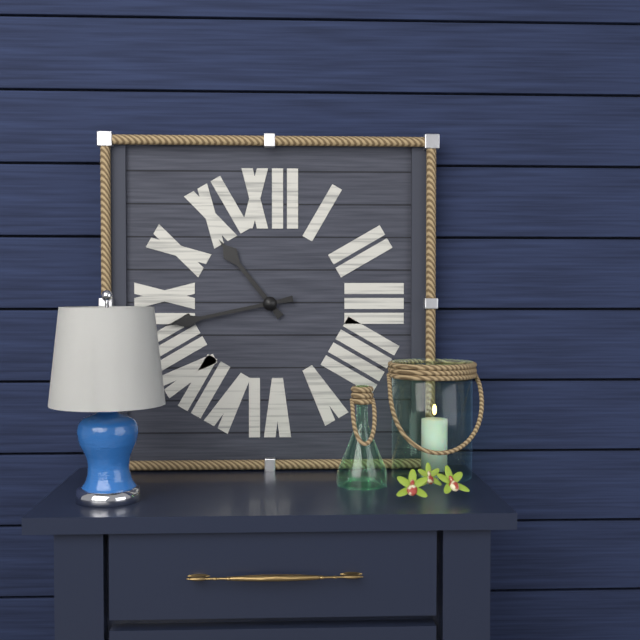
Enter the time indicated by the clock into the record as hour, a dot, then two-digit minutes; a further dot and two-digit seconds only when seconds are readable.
10.43
